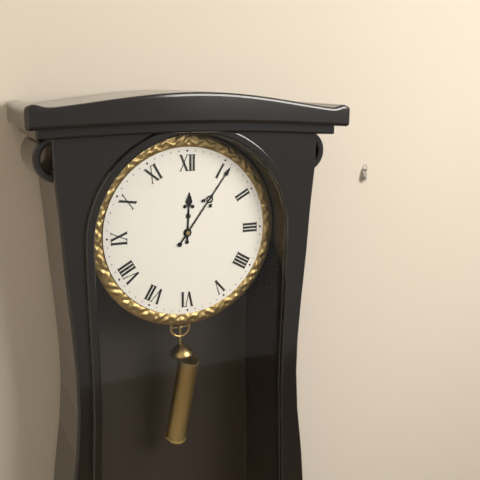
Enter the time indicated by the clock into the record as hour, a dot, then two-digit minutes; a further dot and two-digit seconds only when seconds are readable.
12.06
